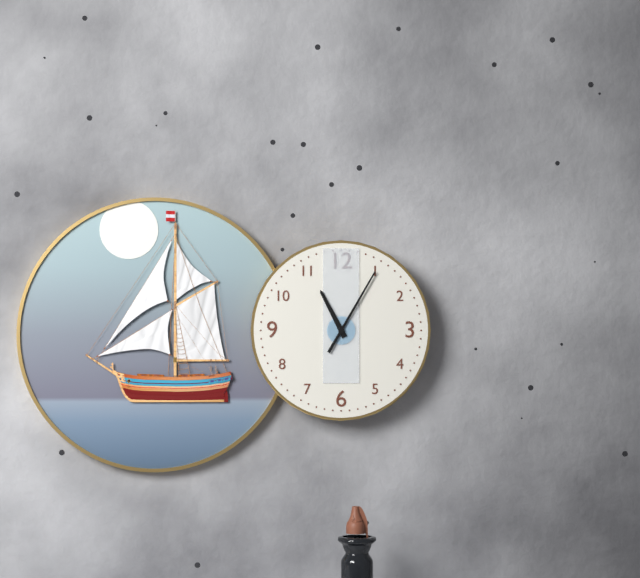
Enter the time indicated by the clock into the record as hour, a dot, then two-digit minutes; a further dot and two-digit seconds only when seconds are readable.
11.05
